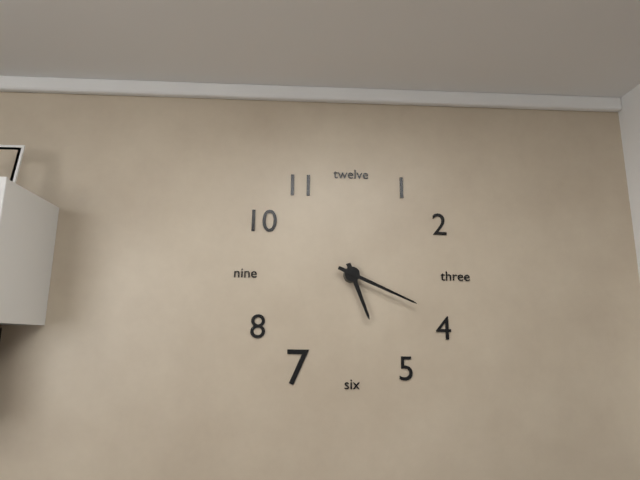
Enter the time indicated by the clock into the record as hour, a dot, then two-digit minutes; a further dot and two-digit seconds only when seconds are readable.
5.19
